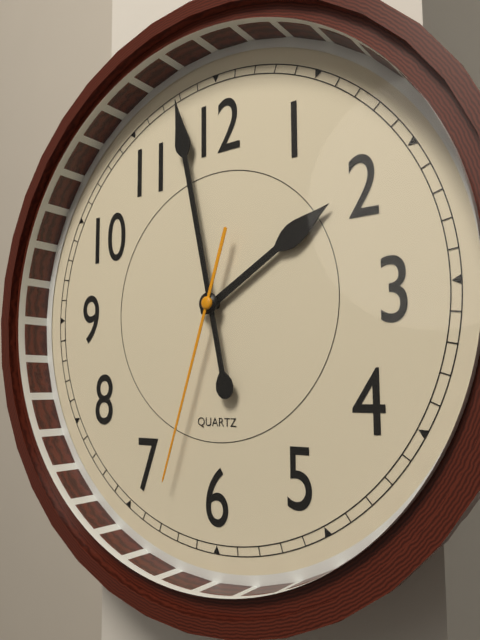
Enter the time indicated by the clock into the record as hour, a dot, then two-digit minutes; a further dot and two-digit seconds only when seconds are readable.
1.58.33
